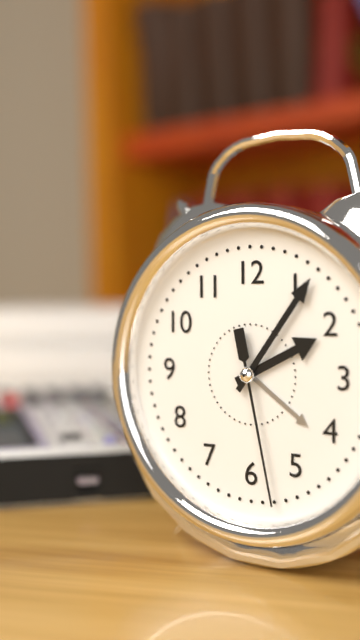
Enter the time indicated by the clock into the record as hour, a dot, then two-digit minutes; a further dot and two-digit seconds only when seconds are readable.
2.06.28
